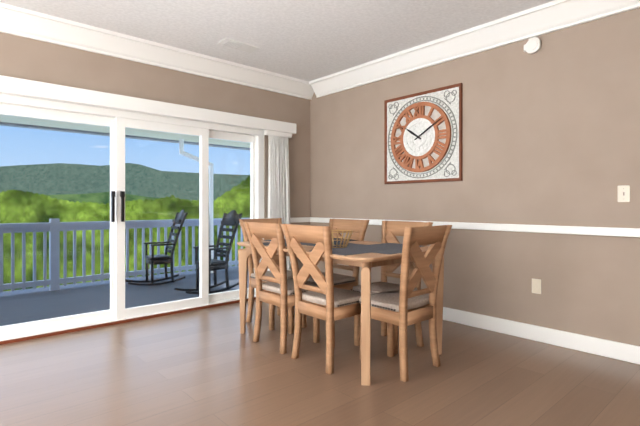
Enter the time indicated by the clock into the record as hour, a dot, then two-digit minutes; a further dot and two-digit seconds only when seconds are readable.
10.10
